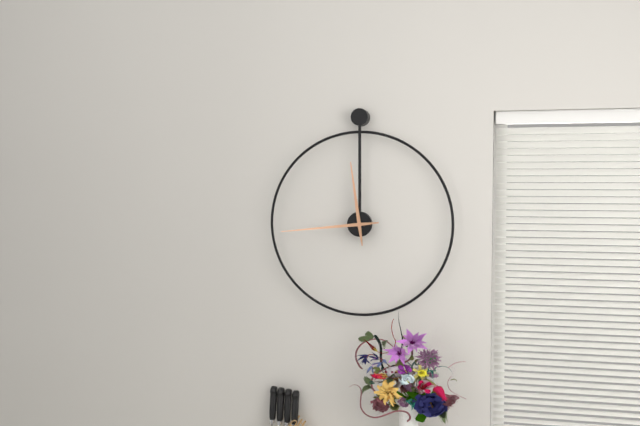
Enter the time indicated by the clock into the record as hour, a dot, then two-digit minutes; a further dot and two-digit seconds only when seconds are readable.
11.44
